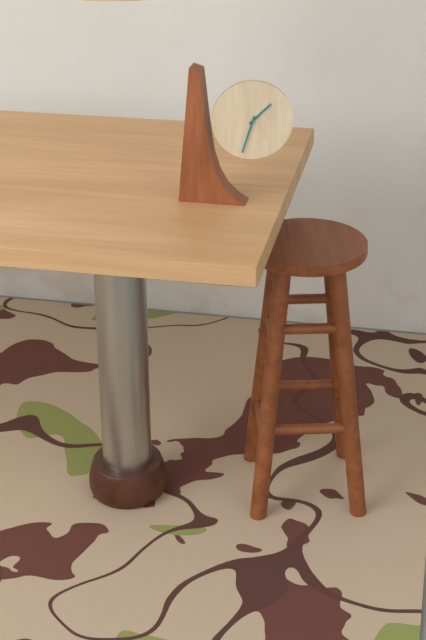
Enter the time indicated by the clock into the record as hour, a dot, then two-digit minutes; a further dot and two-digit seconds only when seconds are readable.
1.33
